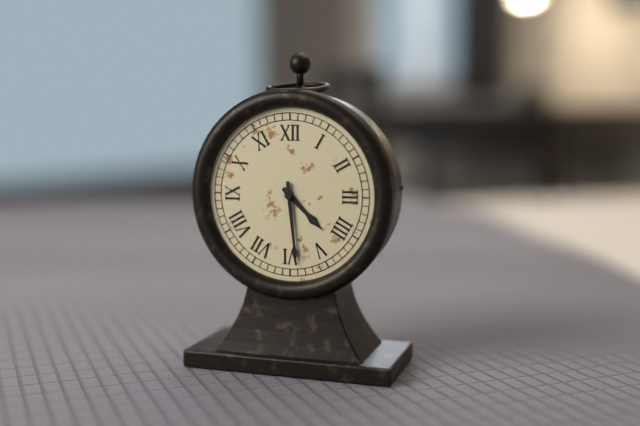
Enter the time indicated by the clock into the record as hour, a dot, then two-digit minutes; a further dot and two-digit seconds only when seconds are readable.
4.29
